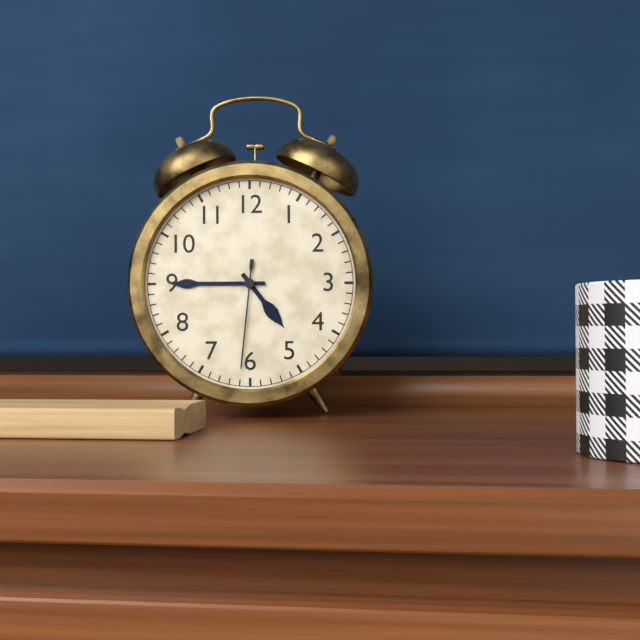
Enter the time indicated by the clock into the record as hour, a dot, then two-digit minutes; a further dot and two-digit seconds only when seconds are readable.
4.45.31
